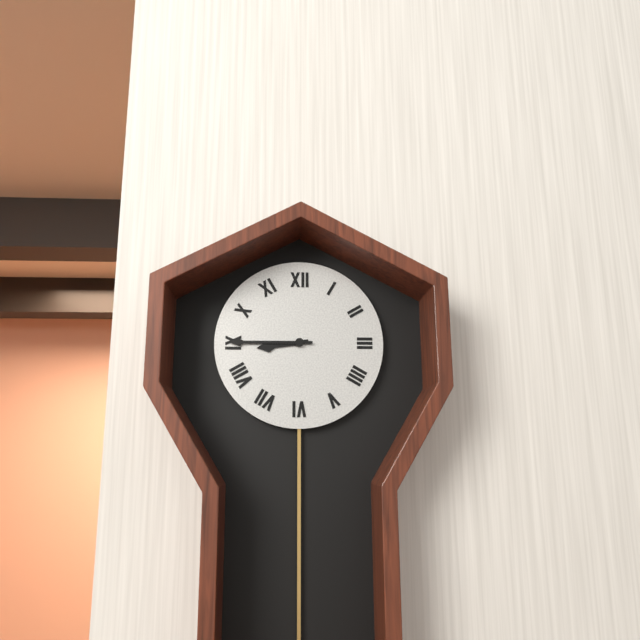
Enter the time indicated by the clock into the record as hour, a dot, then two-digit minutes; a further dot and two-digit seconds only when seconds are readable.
8.45
